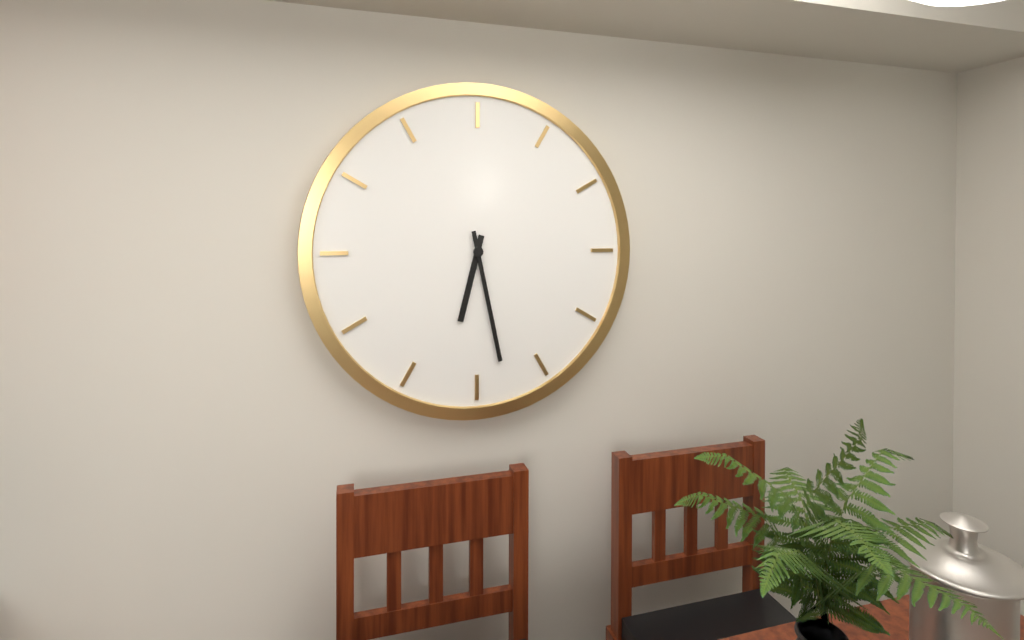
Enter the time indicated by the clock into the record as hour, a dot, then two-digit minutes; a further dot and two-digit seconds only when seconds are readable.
6.28
